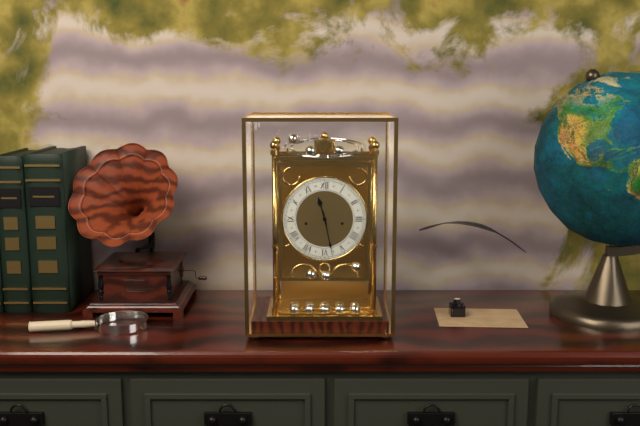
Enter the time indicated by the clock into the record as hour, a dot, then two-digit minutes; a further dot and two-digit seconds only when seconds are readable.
11.28
